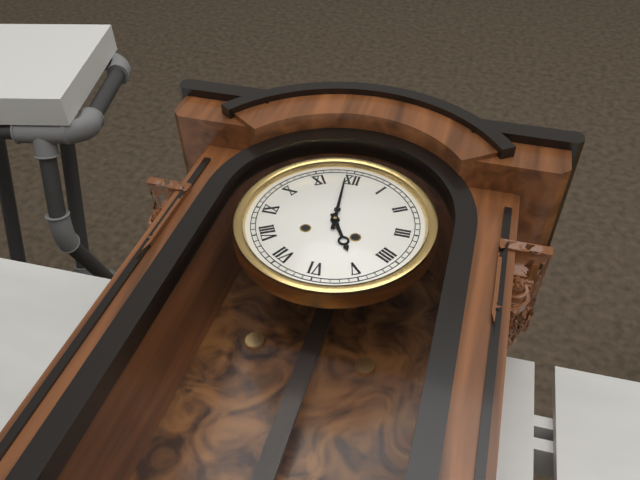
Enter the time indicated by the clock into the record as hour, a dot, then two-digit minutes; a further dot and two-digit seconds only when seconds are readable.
4.59
